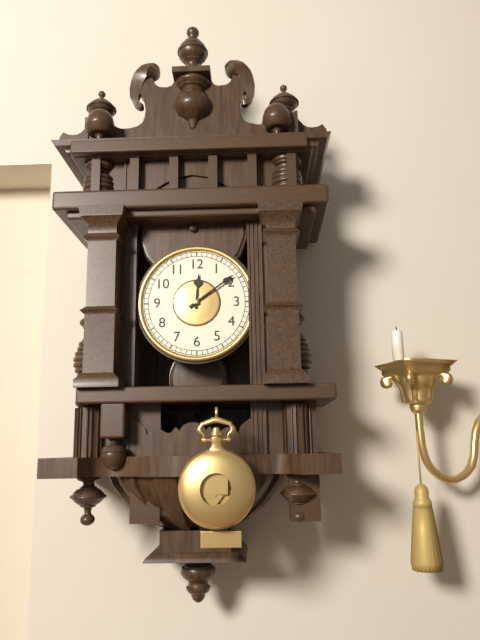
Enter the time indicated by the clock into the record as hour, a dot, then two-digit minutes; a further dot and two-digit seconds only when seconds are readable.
12.09
